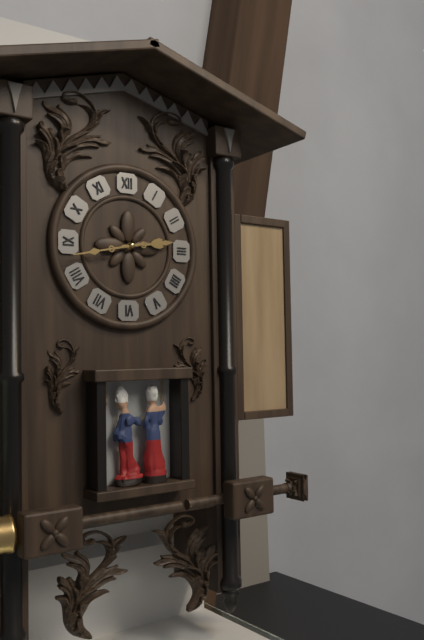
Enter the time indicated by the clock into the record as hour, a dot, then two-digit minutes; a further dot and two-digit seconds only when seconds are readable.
2.43
